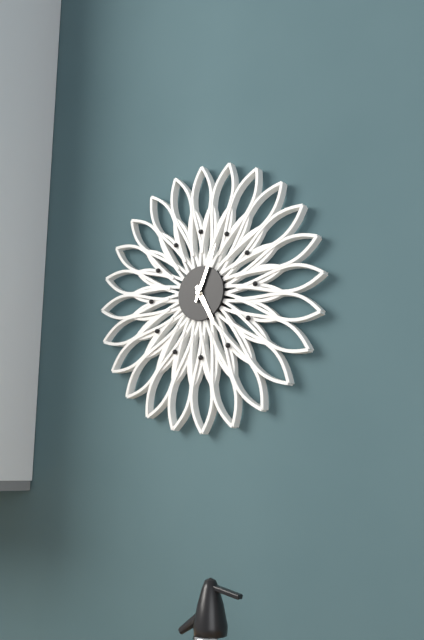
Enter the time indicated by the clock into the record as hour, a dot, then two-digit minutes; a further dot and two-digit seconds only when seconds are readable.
5.04
